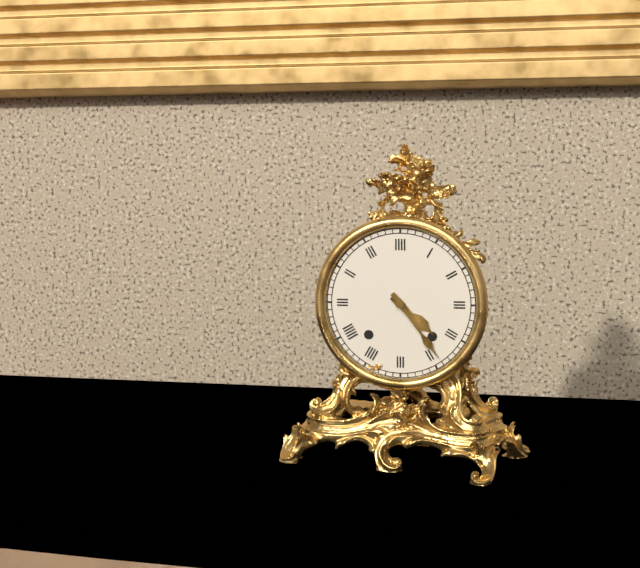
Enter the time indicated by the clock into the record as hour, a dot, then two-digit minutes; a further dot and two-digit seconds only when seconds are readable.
4.24
